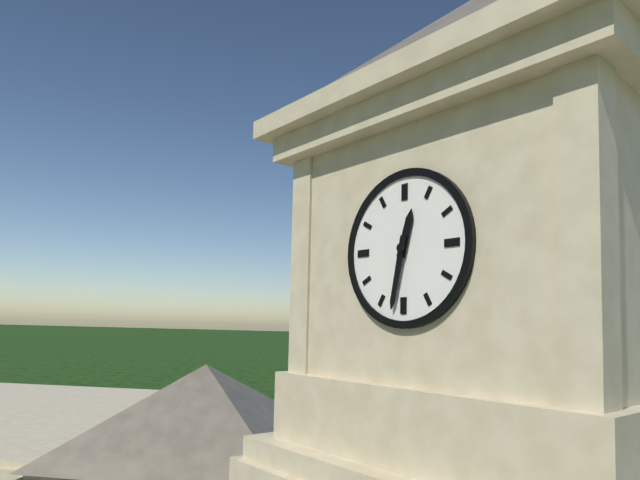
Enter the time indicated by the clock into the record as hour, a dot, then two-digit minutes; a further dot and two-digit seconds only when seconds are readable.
12.32
